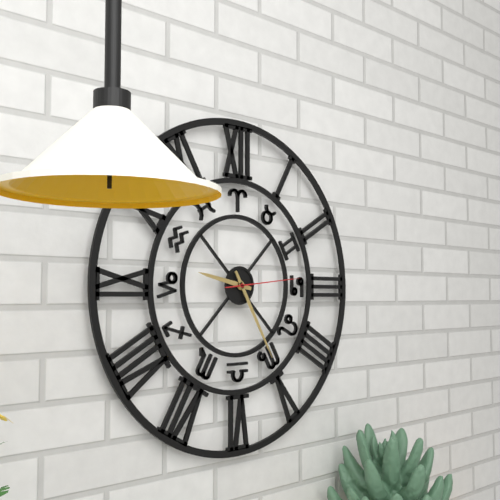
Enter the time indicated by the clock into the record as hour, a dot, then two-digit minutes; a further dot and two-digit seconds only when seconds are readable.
9.25.14
